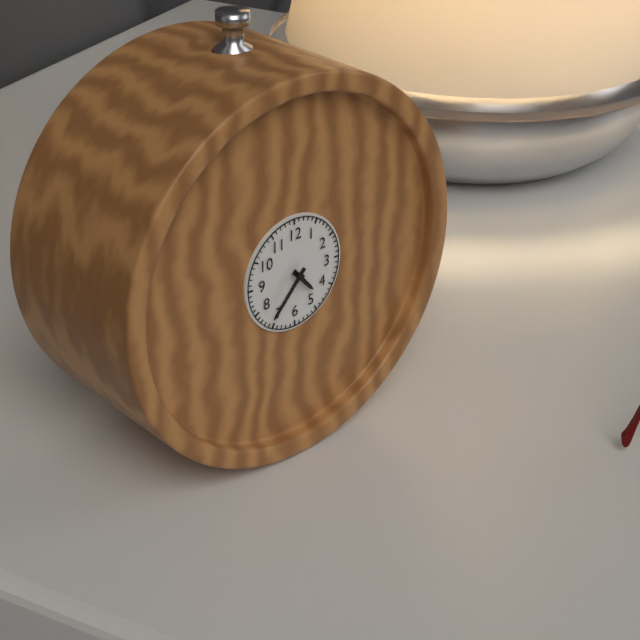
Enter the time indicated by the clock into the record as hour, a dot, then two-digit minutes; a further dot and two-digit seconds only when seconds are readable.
4.37
